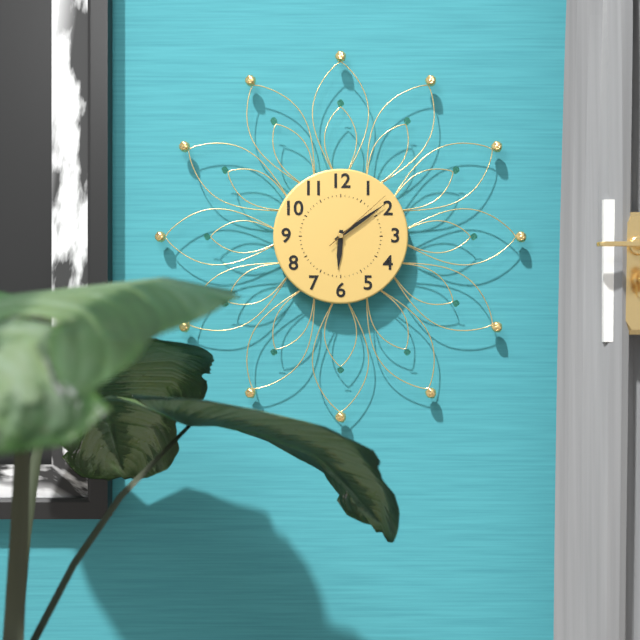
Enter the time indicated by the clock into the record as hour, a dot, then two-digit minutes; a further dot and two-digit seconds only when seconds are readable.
6.09.08
